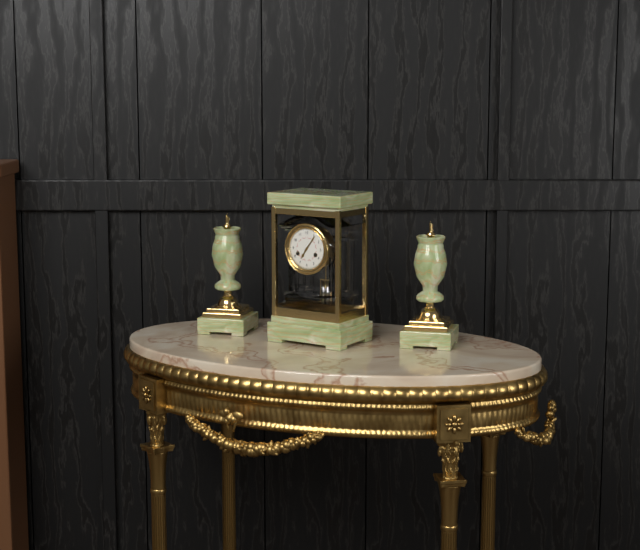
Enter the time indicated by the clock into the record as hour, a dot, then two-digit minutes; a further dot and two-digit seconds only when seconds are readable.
7.06
